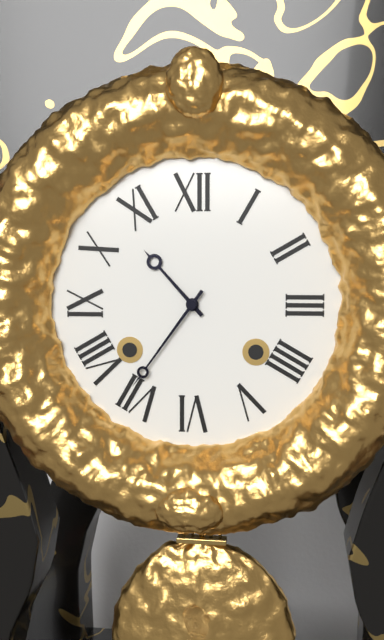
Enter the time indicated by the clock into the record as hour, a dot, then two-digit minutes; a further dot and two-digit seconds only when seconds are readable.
10.36
